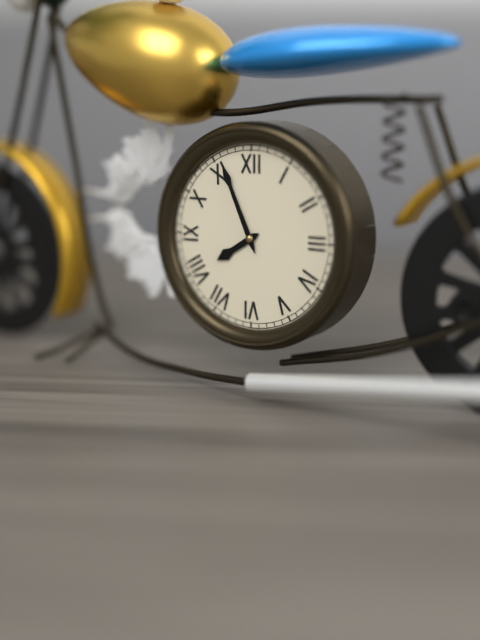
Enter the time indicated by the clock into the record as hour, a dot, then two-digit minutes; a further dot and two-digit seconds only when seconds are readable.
7.56
